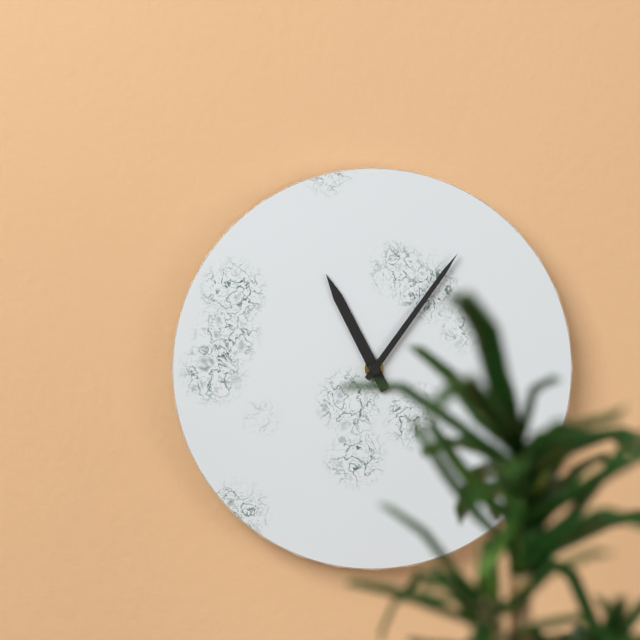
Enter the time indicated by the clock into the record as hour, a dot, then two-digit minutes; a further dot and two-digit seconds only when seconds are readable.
11.06
